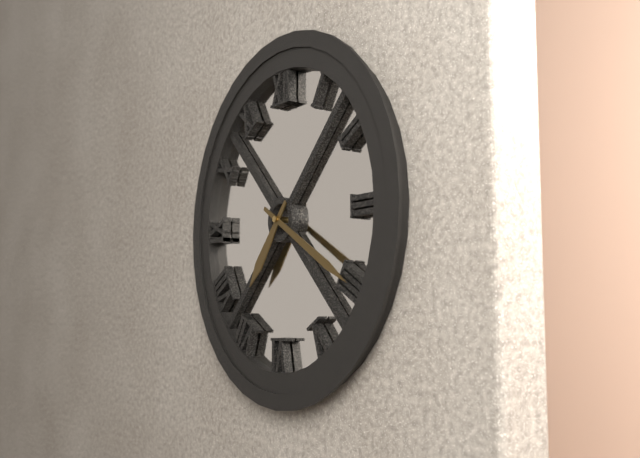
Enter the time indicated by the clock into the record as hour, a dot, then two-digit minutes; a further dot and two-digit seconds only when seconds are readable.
7.20
